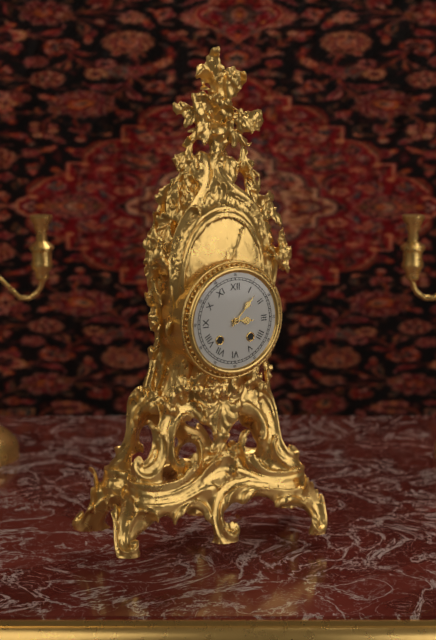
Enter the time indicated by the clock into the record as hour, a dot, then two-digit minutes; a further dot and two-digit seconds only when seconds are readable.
3.07
